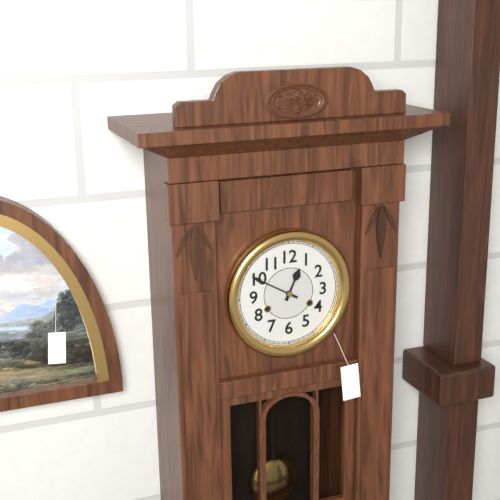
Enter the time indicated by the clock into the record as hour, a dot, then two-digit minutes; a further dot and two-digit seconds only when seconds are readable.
12.50
